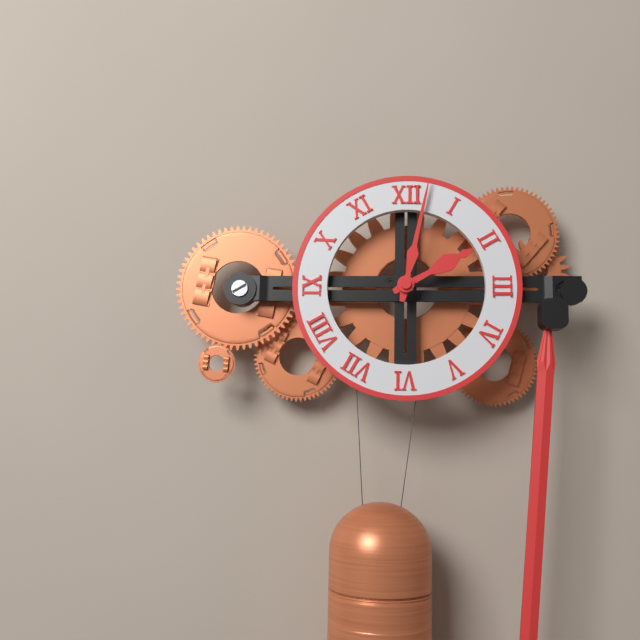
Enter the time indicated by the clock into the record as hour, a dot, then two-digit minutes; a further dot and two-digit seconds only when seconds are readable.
2.02
